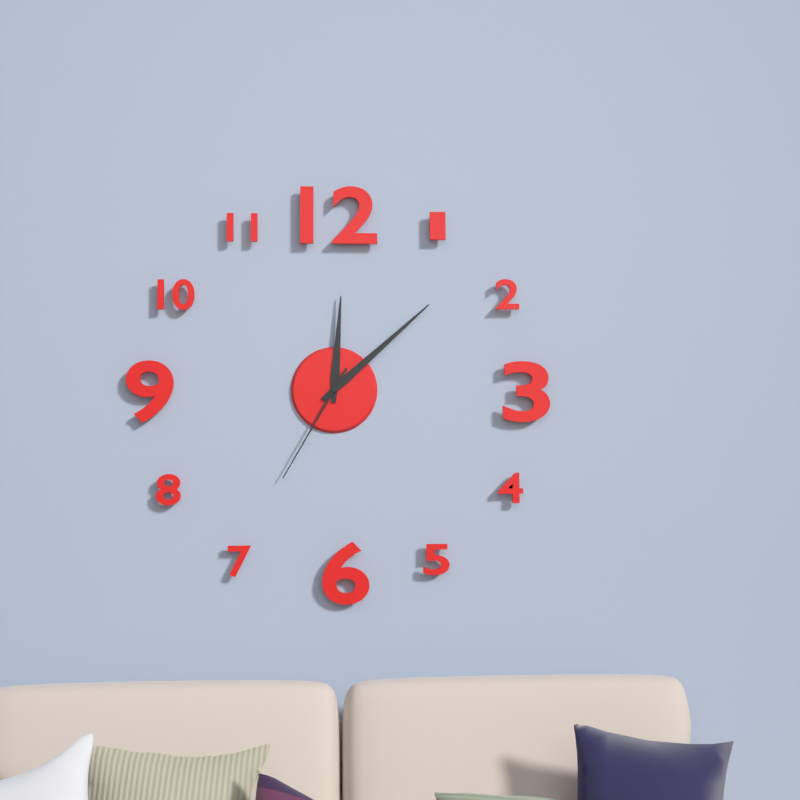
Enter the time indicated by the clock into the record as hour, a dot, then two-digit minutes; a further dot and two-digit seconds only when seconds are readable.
12.08.35
